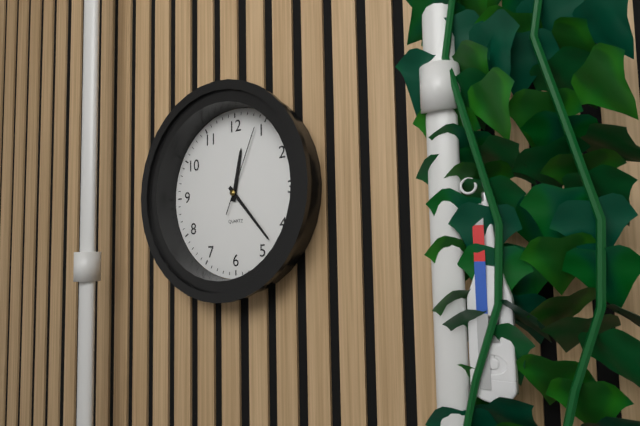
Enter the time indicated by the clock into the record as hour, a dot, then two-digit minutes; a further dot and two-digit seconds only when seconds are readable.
12.23.04
